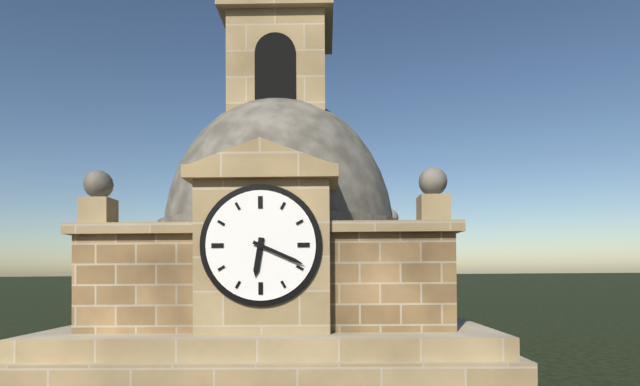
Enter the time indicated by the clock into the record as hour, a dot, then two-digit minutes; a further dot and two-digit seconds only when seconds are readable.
6.19
